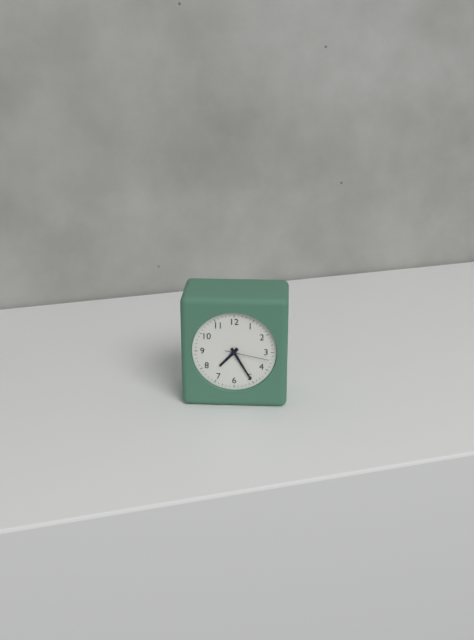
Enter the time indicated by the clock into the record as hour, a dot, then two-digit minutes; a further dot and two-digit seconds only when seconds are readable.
7.25
